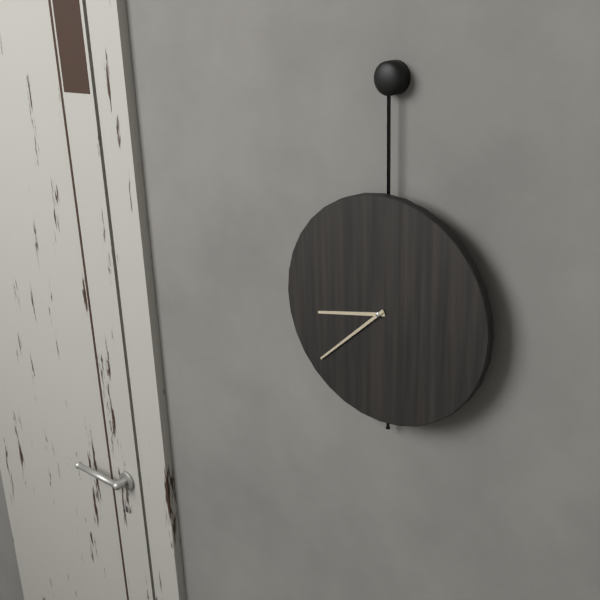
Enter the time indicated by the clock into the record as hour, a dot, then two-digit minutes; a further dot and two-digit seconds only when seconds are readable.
8.38
